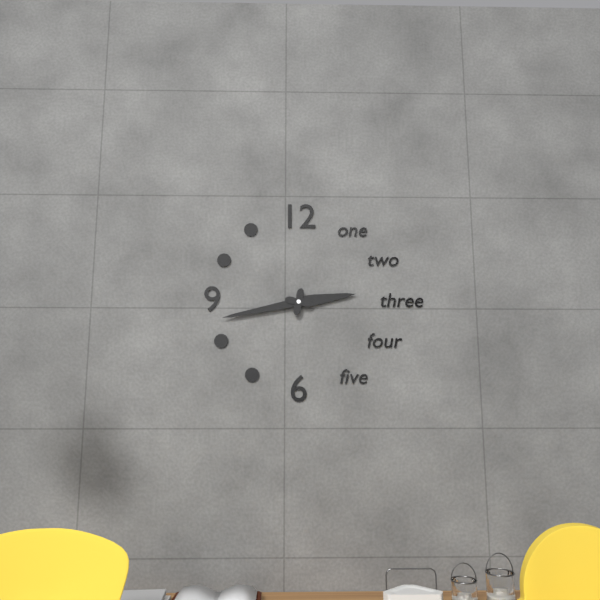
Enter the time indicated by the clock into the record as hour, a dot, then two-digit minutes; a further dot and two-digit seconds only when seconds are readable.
2.43
